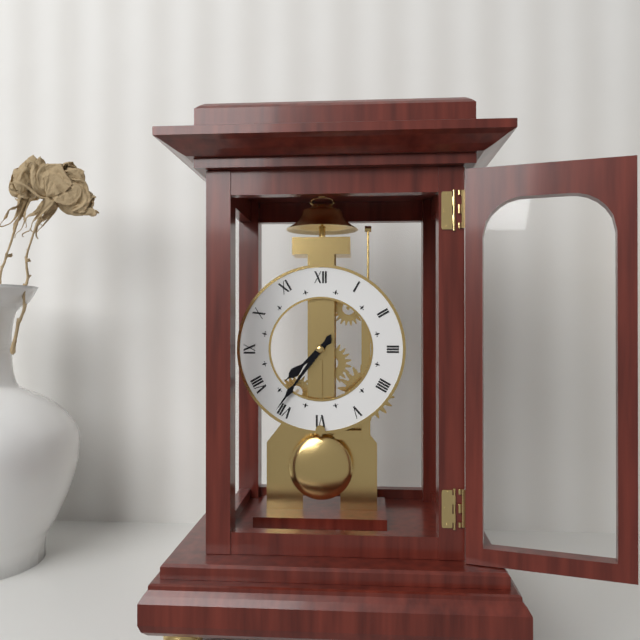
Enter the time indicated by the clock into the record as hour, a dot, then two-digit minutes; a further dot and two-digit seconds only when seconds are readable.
7.36
